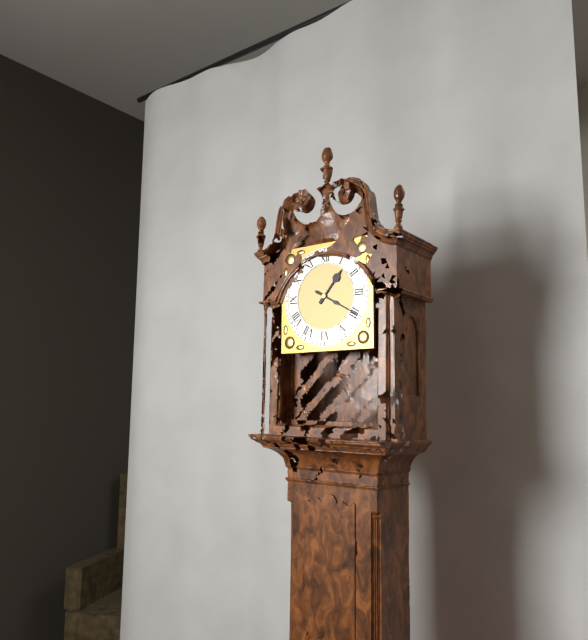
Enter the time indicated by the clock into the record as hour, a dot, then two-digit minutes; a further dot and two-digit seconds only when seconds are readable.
1.20
